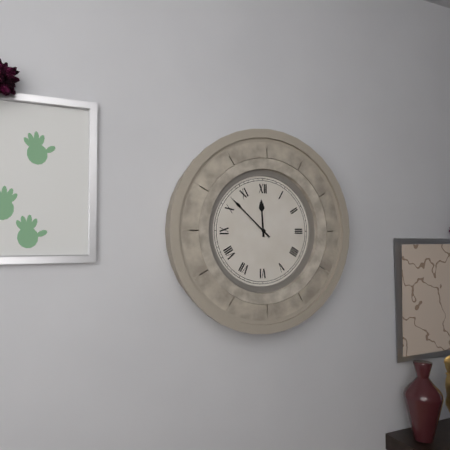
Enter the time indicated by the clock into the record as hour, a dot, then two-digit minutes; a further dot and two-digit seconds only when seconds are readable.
11.52
